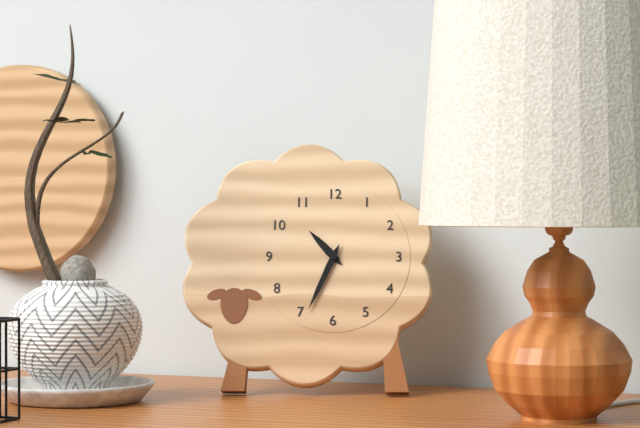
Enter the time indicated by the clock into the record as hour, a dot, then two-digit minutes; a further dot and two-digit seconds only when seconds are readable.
10.34
